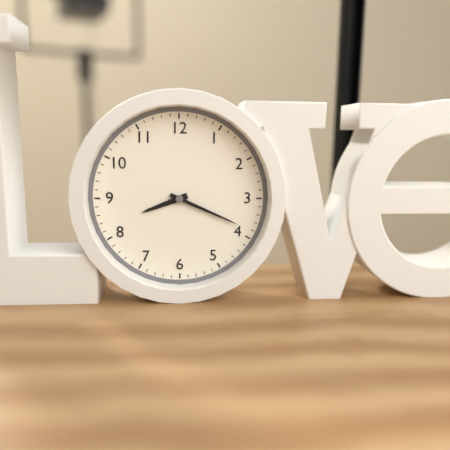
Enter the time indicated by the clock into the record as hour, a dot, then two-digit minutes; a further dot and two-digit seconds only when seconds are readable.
8.19
